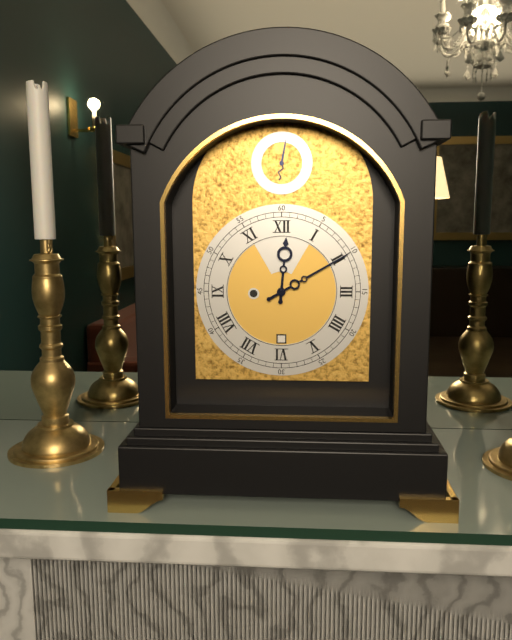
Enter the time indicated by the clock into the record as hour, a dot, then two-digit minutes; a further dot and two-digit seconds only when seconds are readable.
12.10
